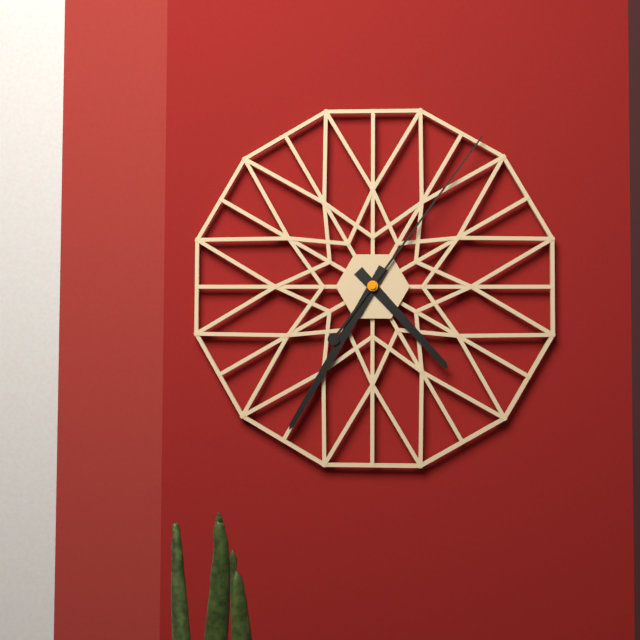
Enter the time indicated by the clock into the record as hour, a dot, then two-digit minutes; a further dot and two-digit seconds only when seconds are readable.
4.35.06
